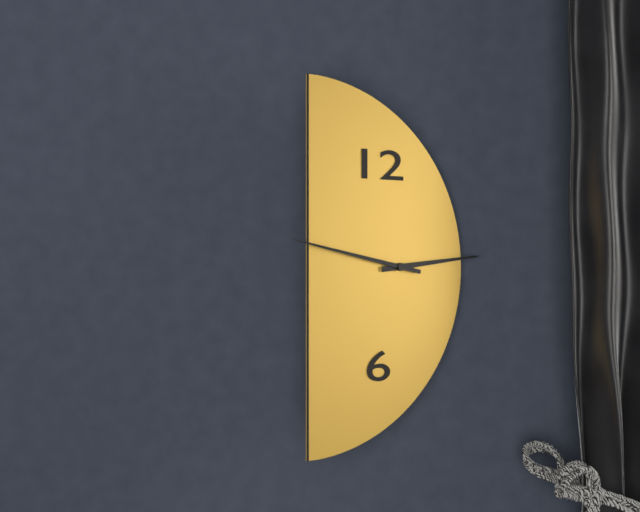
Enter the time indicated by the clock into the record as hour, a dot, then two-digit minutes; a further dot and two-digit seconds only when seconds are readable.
2.47
